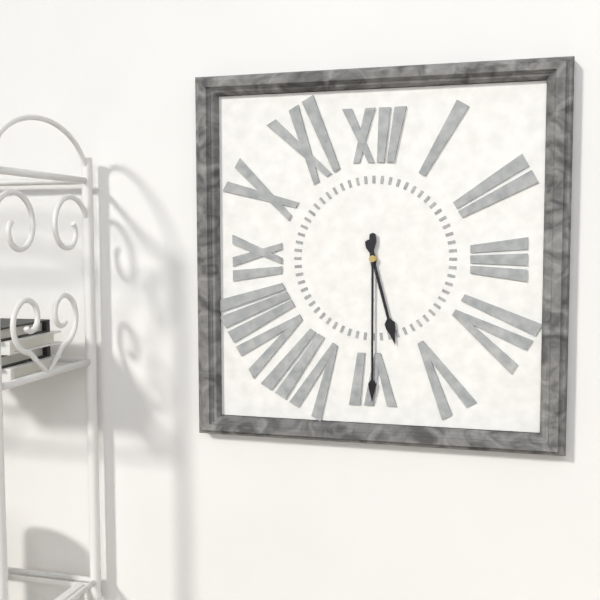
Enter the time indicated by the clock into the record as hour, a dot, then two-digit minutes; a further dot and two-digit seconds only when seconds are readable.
5.30
